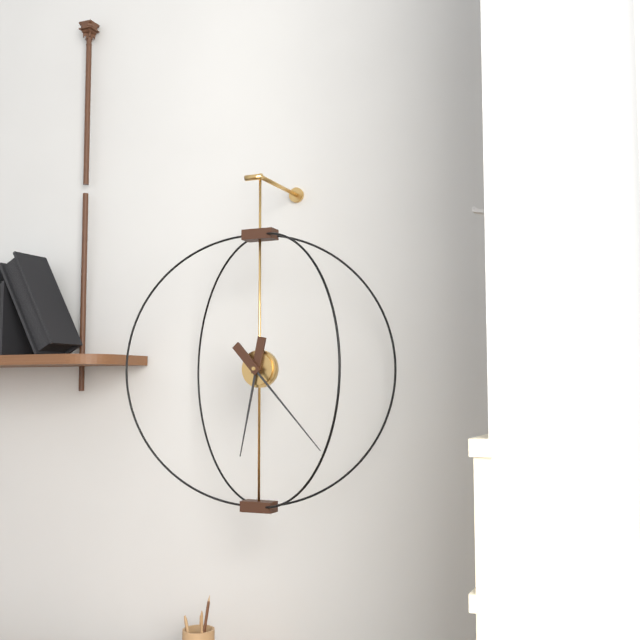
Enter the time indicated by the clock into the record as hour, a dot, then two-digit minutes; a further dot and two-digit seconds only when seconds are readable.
6.23
